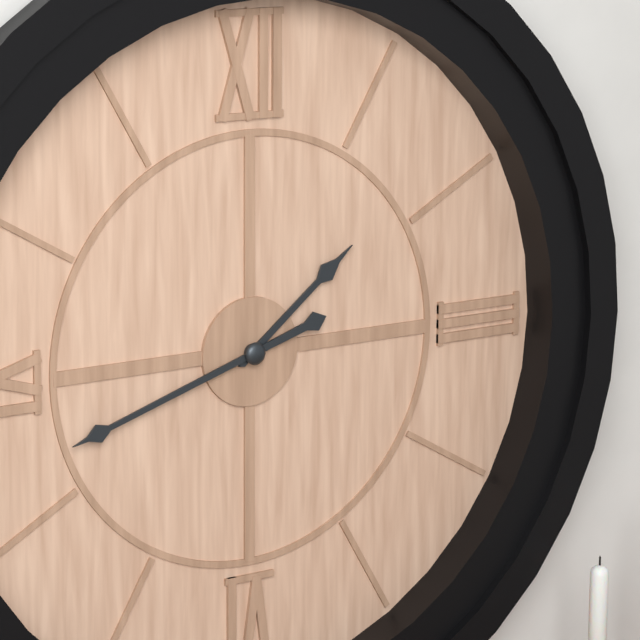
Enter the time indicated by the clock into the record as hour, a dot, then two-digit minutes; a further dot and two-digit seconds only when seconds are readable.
1.42
